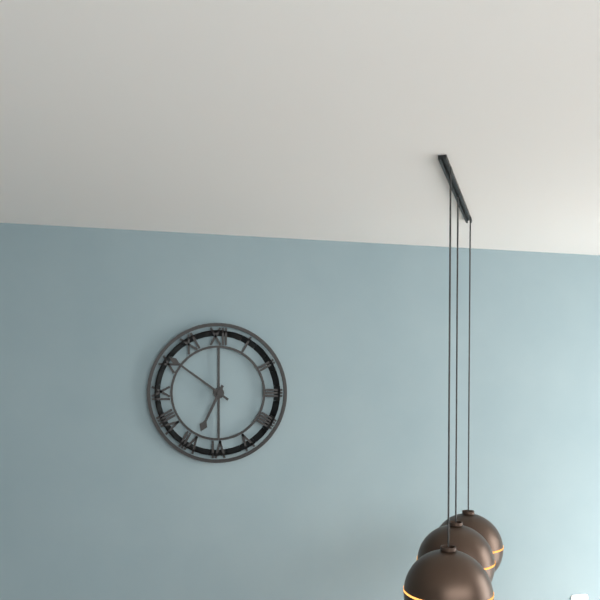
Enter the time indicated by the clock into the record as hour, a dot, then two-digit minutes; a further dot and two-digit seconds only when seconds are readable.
6.51
